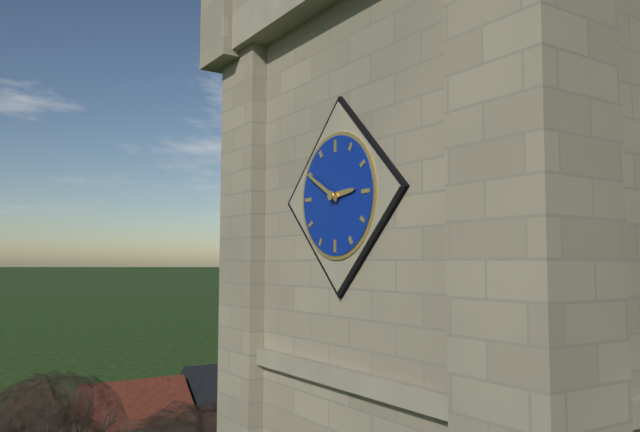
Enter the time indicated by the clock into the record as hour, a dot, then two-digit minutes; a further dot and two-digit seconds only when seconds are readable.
2.50
